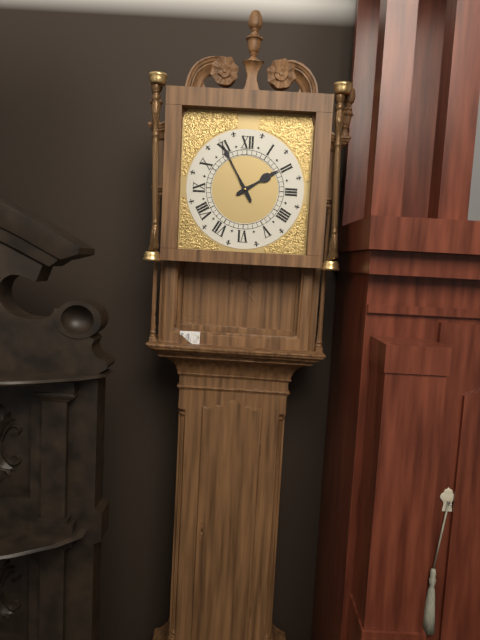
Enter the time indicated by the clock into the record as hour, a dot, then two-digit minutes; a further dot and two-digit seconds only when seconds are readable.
1.55
